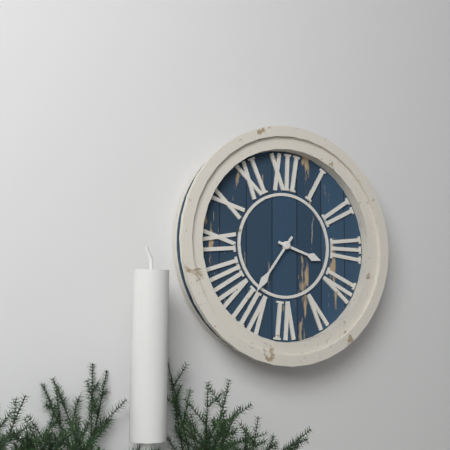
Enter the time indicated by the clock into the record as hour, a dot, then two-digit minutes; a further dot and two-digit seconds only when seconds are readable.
3.36
